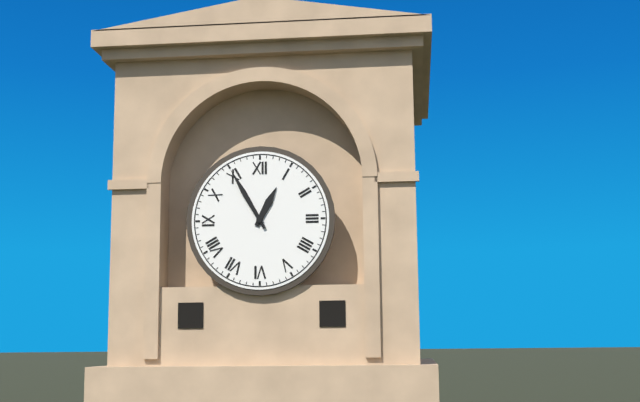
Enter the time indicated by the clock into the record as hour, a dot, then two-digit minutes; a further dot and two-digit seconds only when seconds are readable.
12.55
